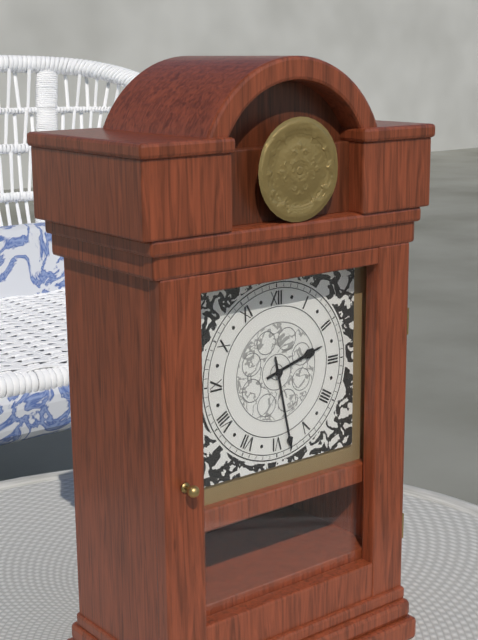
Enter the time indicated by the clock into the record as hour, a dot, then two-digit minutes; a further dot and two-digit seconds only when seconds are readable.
2.28
